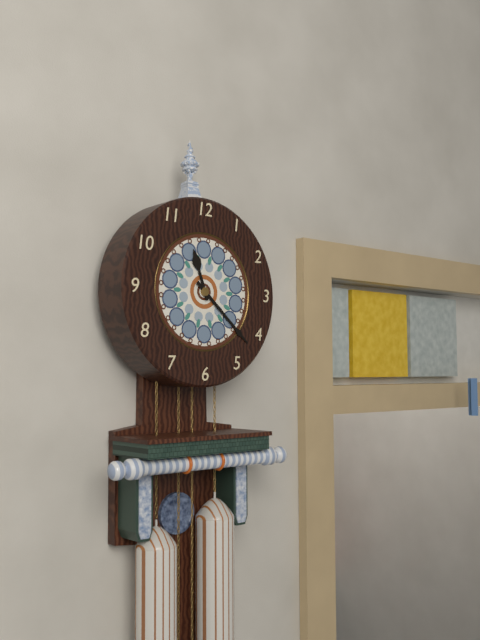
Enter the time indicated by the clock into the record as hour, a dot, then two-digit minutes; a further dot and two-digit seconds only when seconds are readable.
11.22
